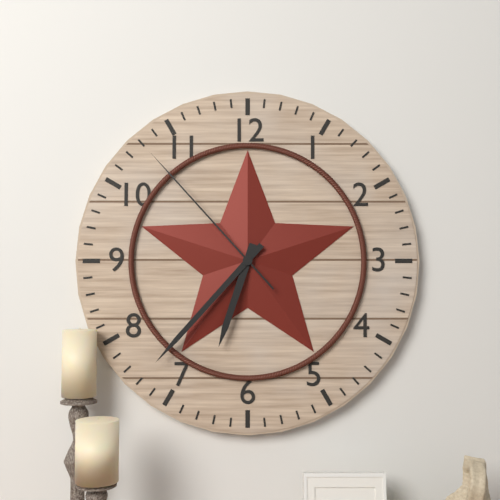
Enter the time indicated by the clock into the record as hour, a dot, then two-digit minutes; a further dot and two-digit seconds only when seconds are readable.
6.37.53
